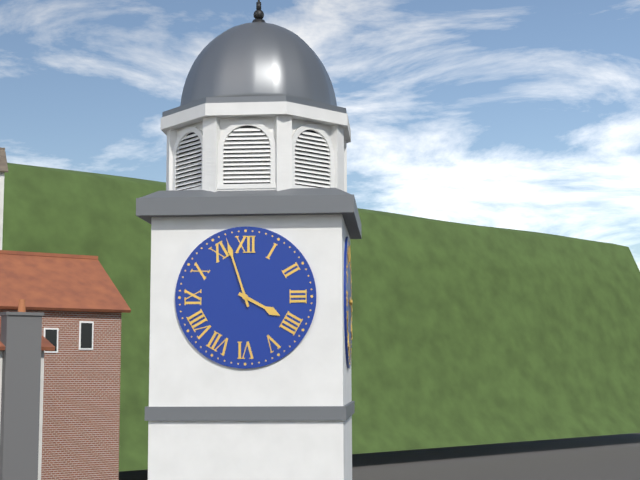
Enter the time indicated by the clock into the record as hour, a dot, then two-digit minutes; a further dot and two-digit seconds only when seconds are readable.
3.57
